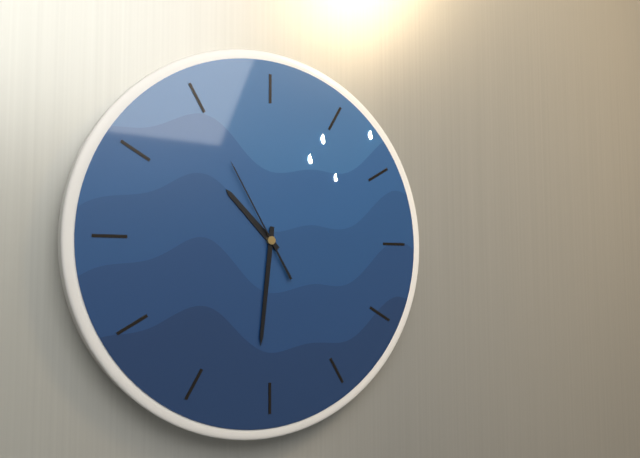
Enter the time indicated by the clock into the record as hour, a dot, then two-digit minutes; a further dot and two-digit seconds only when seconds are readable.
10.31.55
